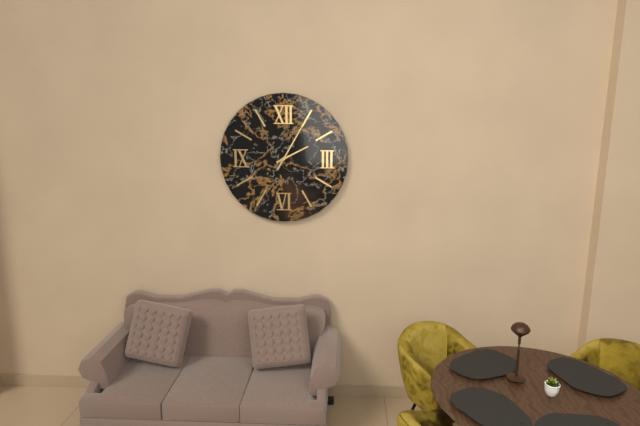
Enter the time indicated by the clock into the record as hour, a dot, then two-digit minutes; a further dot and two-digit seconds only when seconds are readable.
2.05
